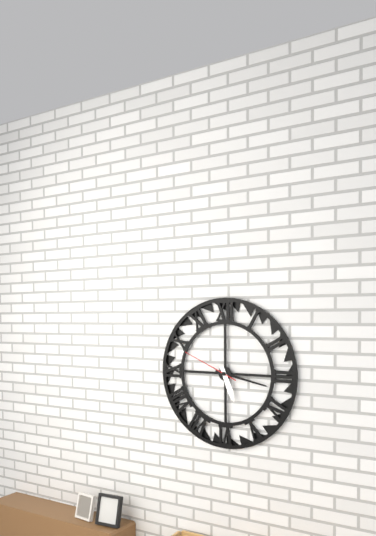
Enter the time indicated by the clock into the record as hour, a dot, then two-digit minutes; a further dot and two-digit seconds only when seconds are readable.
5.17.49
